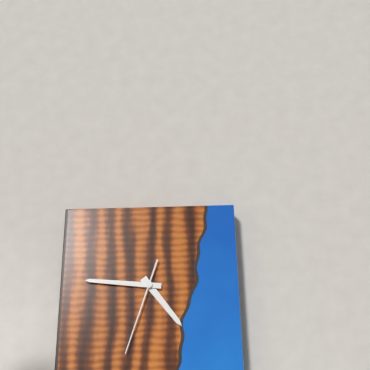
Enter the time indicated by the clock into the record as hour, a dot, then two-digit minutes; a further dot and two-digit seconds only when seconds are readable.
4.46.33
